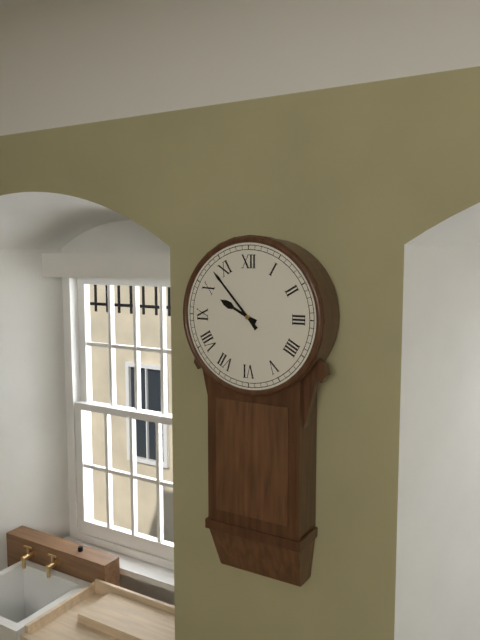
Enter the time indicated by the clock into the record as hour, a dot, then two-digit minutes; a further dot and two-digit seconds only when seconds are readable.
9.53
